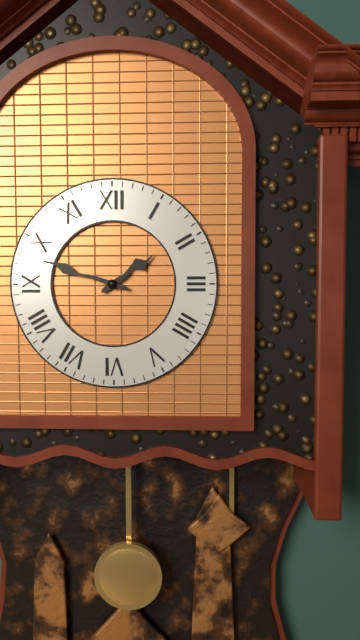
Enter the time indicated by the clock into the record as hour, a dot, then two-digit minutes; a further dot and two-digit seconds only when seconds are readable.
1.48
